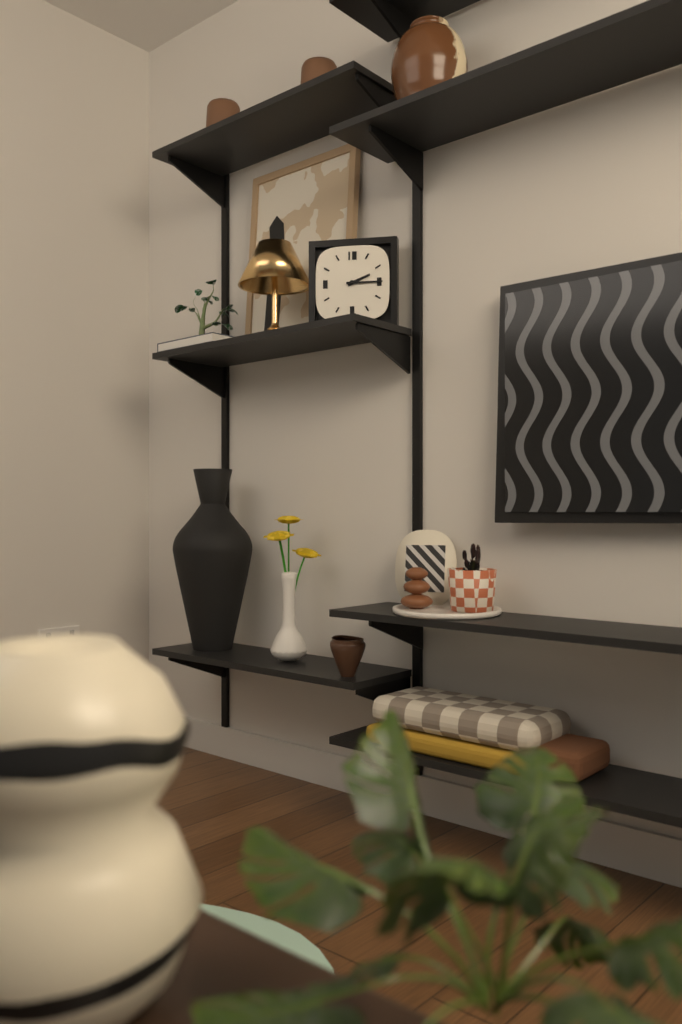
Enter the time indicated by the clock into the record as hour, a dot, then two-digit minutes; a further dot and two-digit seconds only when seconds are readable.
2.15
